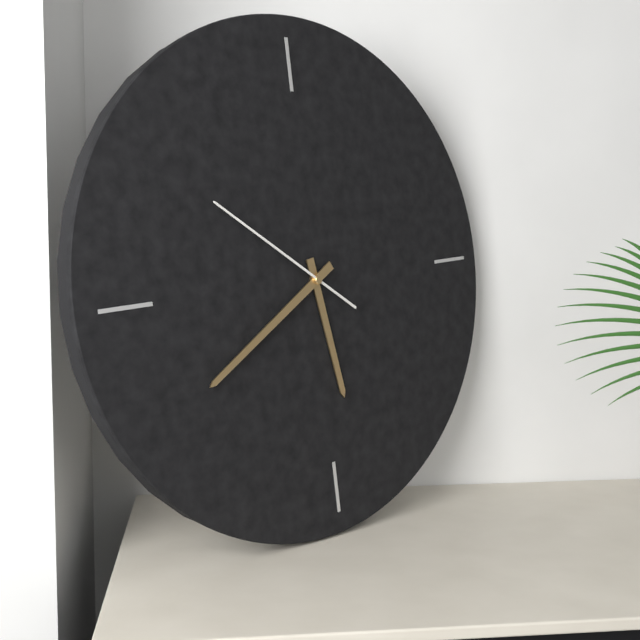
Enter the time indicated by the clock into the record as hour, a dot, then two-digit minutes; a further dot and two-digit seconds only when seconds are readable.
5.40.51
